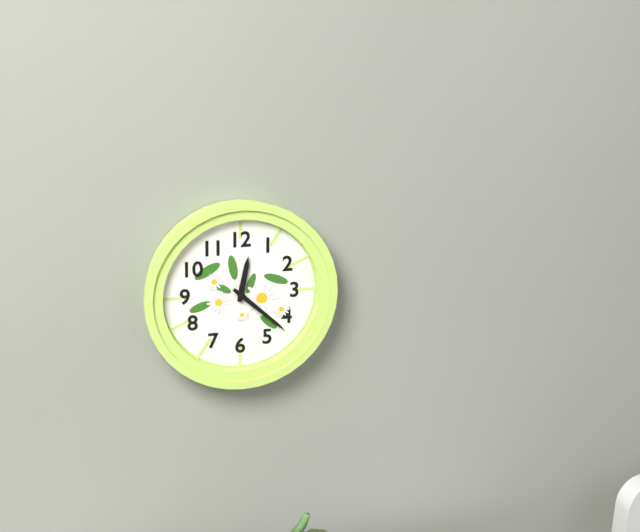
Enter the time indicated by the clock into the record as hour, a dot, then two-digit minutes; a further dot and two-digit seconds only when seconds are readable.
12.22
